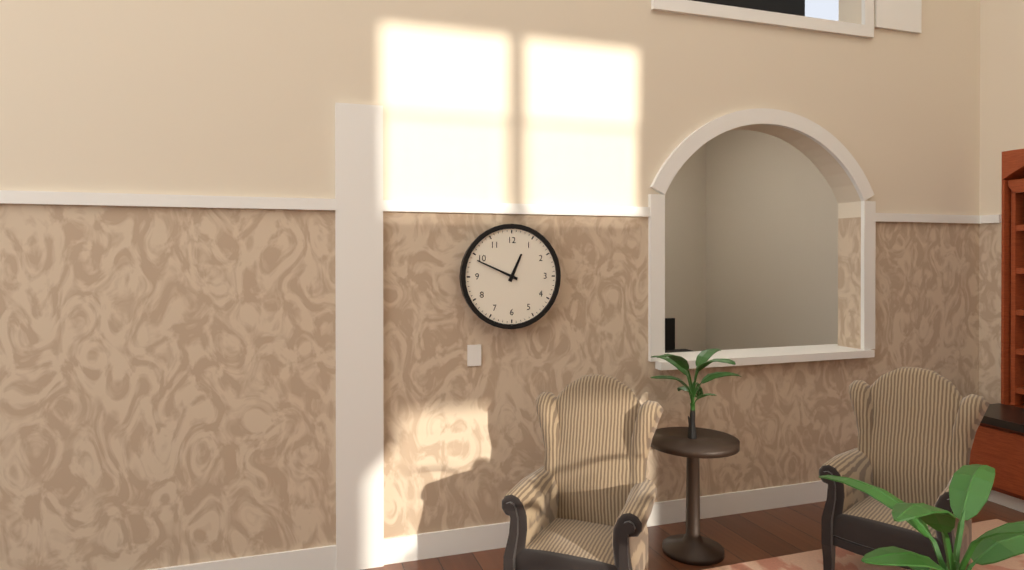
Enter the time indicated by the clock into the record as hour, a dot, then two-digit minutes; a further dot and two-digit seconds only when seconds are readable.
12.49
